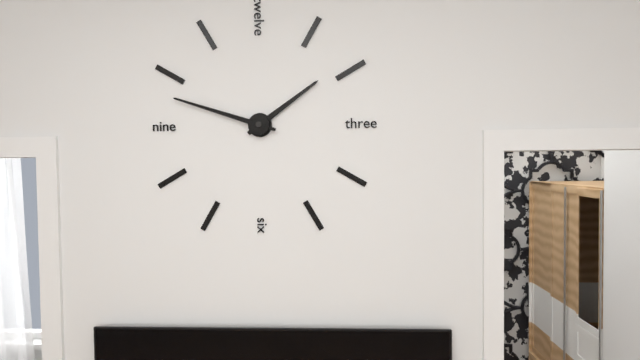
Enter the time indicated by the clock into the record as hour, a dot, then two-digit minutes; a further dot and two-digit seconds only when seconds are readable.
1.48
